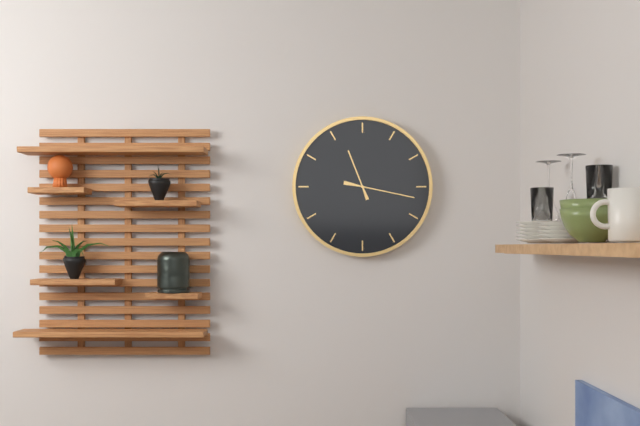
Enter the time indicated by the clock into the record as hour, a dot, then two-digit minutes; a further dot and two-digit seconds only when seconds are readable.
11.17
